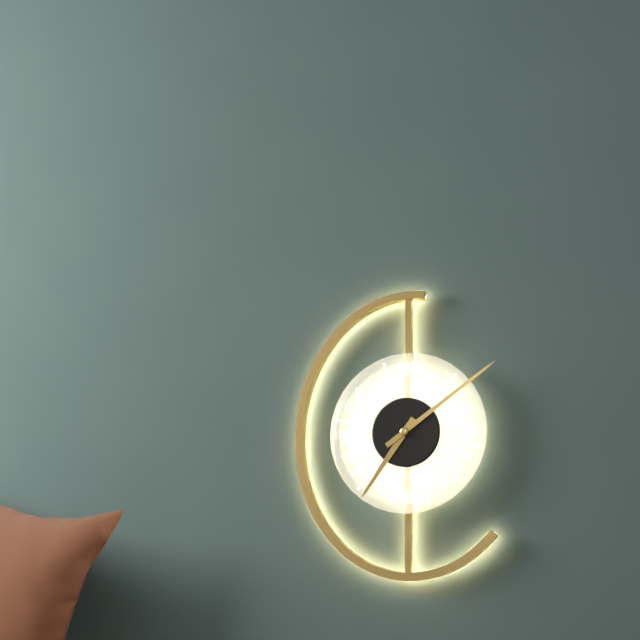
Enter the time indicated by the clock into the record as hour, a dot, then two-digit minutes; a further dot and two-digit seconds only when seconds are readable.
7.09
